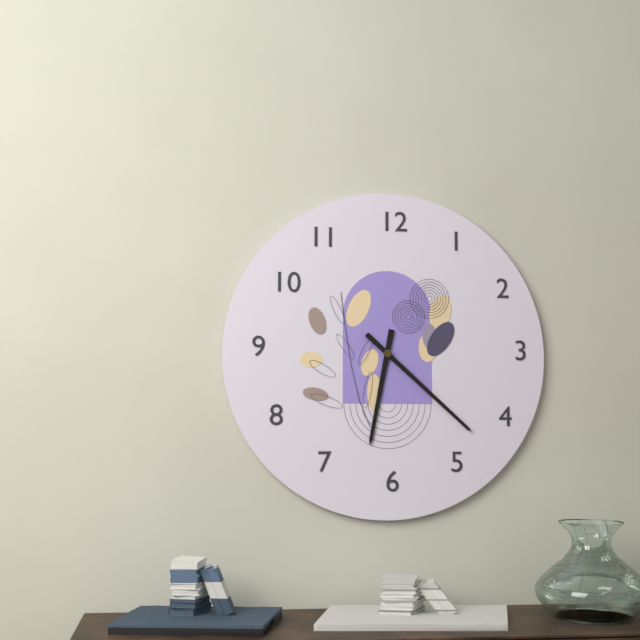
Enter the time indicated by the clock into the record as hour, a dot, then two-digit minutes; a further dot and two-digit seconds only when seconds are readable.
6.22
